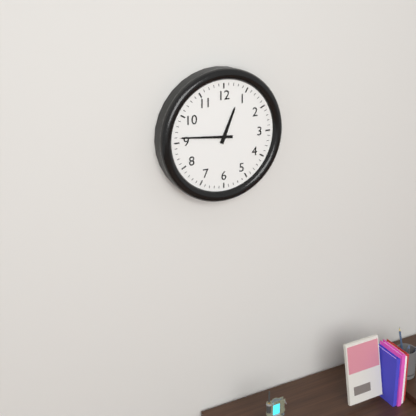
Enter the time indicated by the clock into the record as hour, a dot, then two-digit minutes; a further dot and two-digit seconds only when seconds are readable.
12.46
